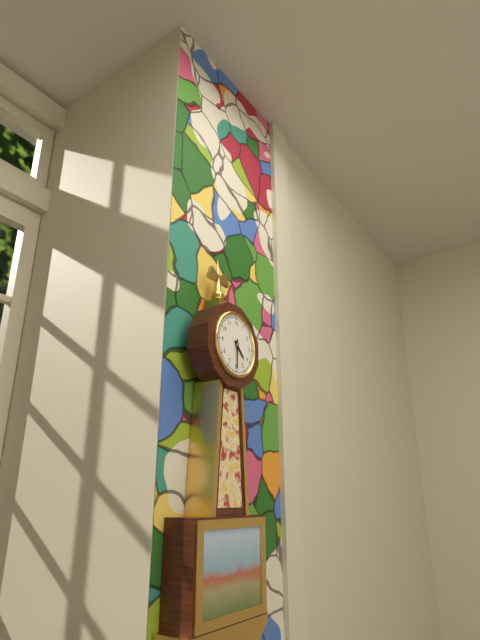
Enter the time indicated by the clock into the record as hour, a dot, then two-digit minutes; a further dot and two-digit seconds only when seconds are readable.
4.30
